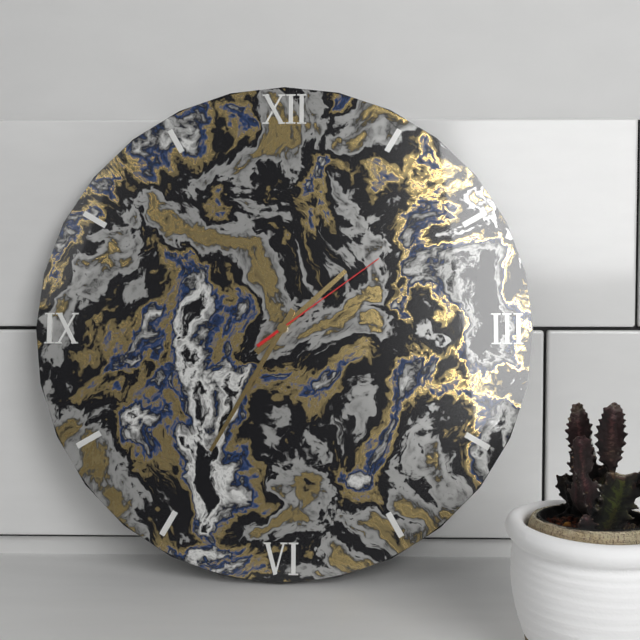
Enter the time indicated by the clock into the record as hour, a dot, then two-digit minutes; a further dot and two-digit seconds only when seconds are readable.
1.35.09
